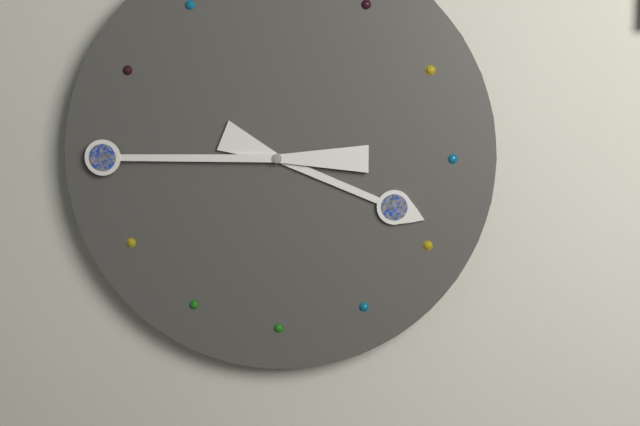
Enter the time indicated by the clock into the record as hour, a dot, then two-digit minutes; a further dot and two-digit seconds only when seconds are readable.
3.45
